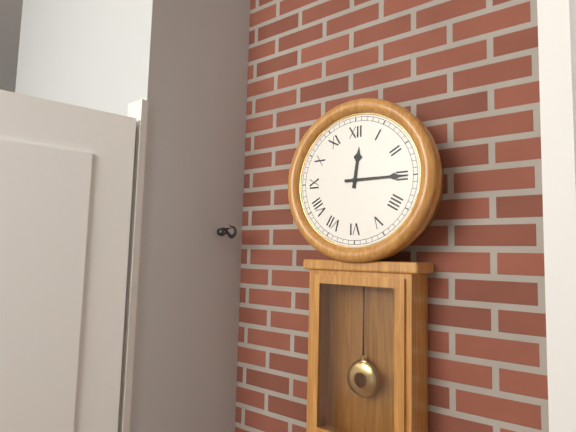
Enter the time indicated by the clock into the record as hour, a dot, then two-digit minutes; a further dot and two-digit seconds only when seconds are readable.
12.15
